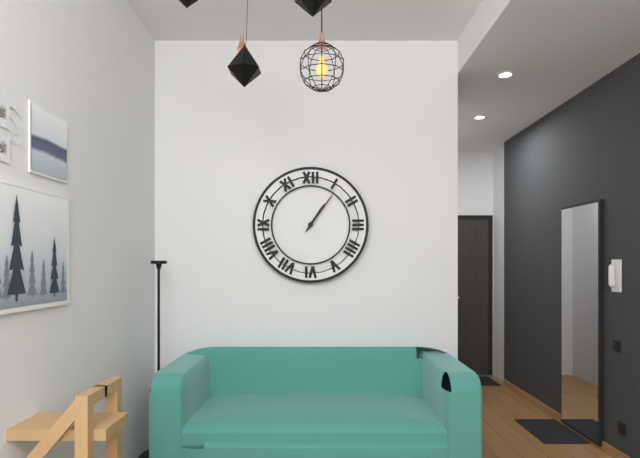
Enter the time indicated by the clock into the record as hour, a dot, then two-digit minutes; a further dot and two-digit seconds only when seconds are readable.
1.06
